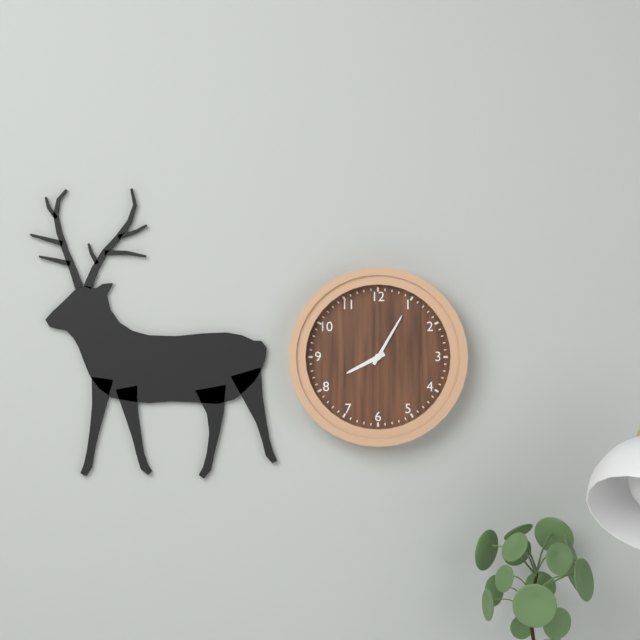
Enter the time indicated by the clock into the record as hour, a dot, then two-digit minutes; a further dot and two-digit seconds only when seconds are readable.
8.05
